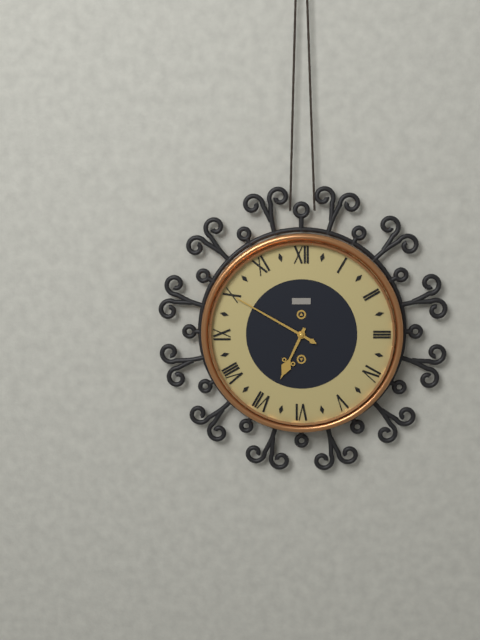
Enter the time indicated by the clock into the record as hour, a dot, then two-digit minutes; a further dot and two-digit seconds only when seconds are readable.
6.50
